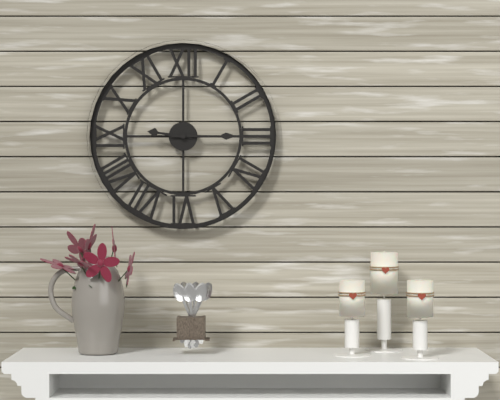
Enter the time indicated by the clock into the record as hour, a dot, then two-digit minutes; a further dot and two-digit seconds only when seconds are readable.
9.15
